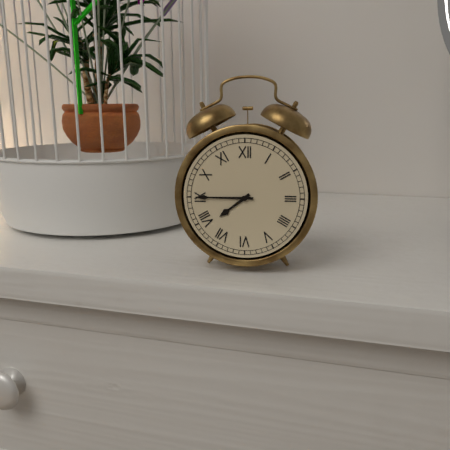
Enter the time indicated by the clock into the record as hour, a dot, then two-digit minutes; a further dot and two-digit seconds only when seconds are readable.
7.45
